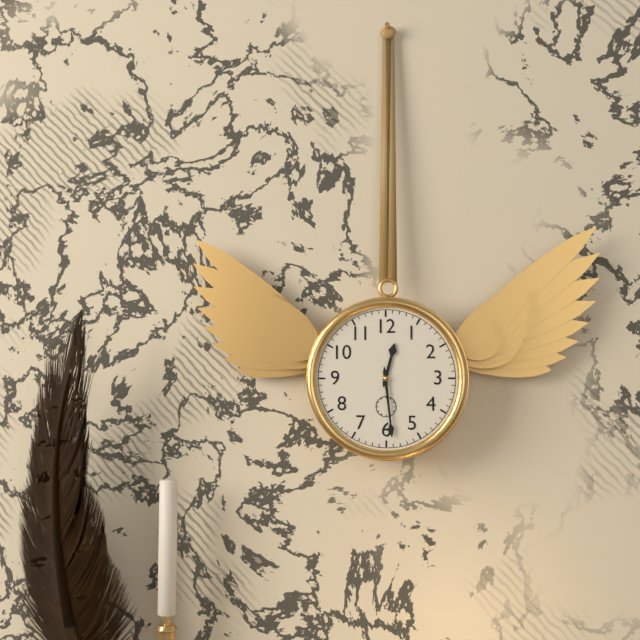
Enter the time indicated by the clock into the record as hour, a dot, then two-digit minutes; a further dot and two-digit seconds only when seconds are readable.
12.29
